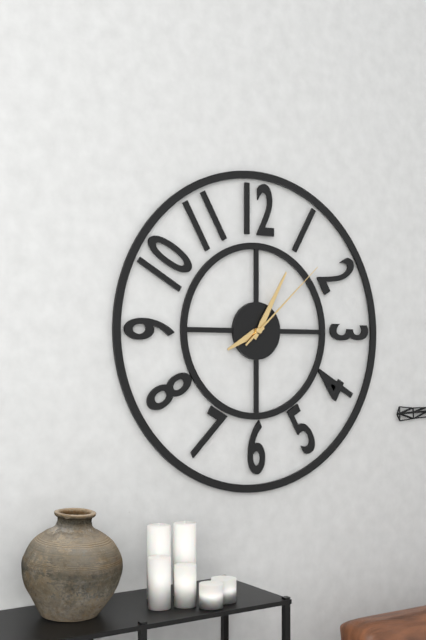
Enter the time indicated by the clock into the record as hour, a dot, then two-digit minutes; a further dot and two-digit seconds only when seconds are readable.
8.05.08
